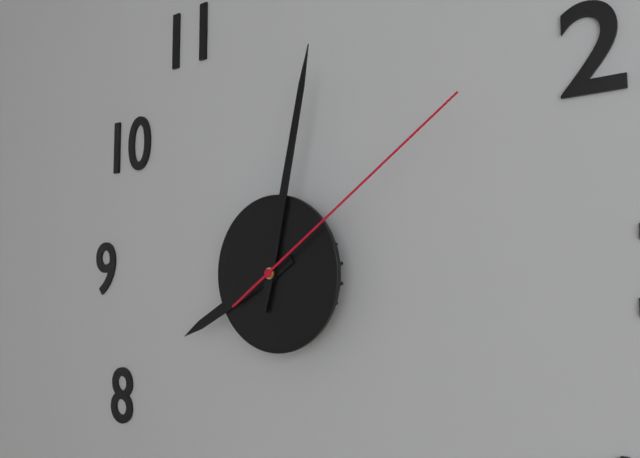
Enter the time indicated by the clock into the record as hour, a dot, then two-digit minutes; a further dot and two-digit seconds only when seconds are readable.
8.02.09
